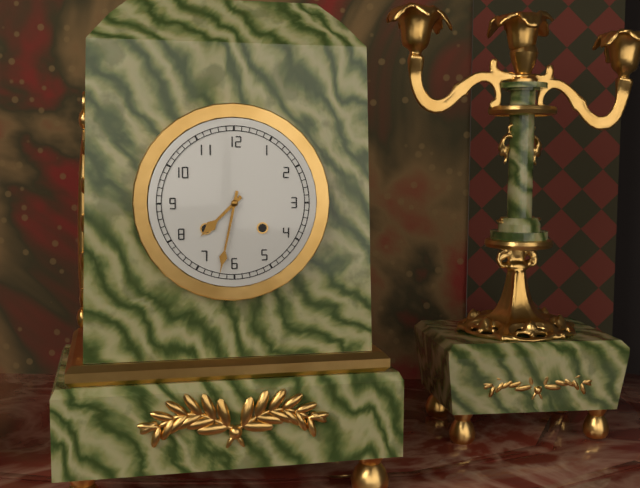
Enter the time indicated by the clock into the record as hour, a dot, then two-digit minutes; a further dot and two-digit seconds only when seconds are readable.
7.32
